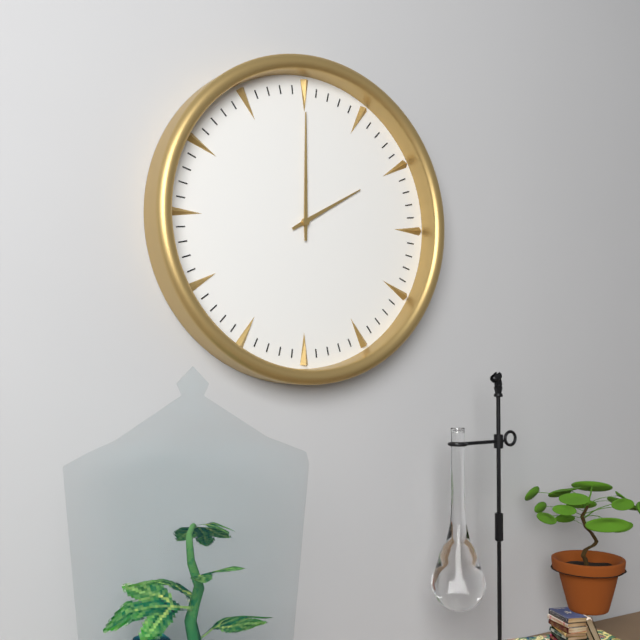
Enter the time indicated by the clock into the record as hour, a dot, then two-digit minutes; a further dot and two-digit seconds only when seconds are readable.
2.00
